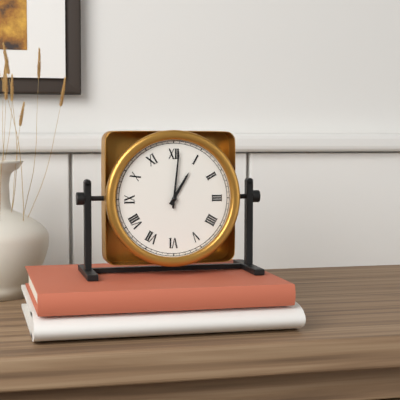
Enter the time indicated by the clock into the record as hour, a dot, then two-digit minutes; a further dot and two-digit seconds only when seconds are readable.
1.01
